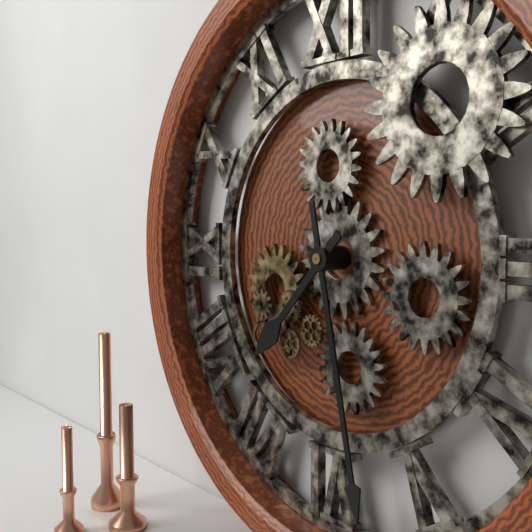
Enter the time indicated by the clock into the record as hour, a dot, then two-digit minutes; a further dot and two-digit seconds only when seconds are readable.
7.28
